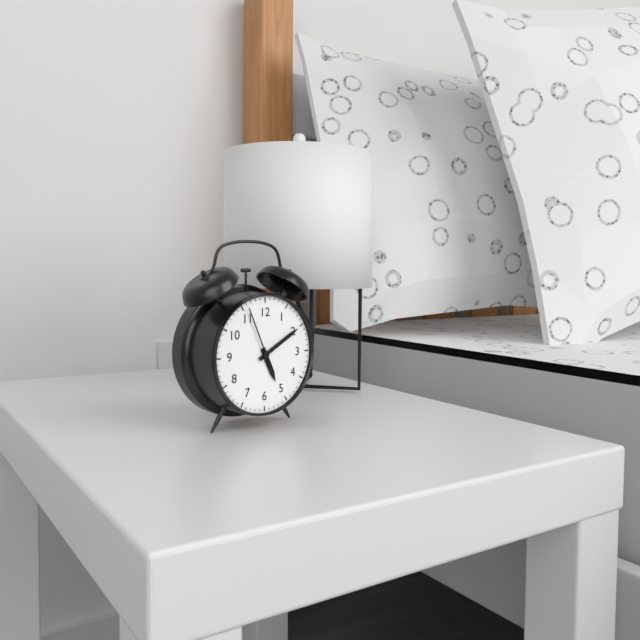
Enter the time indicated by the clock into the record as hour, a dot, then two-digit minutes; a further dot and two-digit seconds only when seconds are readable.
5.10.56
